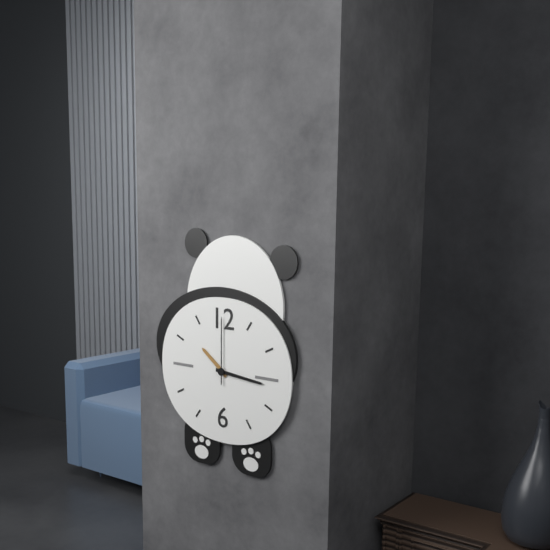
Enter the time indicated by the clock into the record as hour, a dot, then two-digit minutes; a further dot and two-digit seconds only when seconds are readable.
10.16.00
